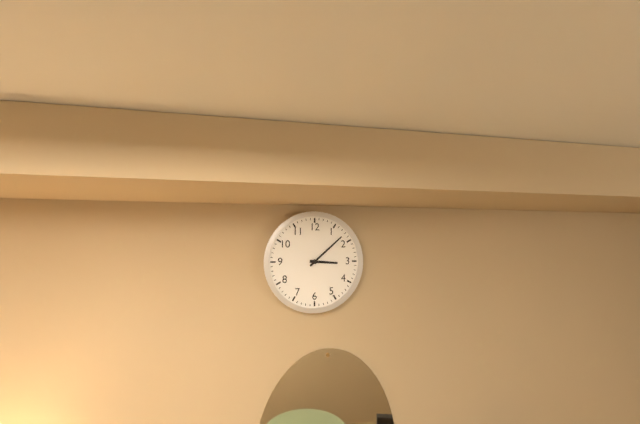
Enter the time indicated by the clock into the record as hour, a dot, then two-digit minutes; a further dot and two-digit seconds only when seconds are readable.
3.08
